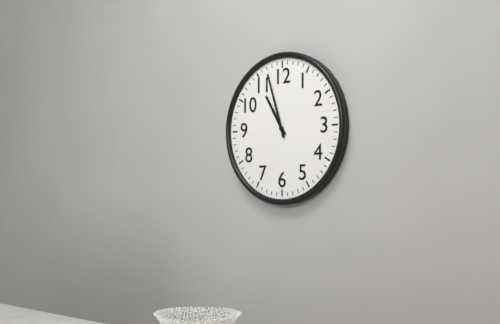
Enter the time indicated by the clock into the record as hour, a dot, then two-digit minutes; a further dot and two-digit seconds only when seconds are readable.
10.57
